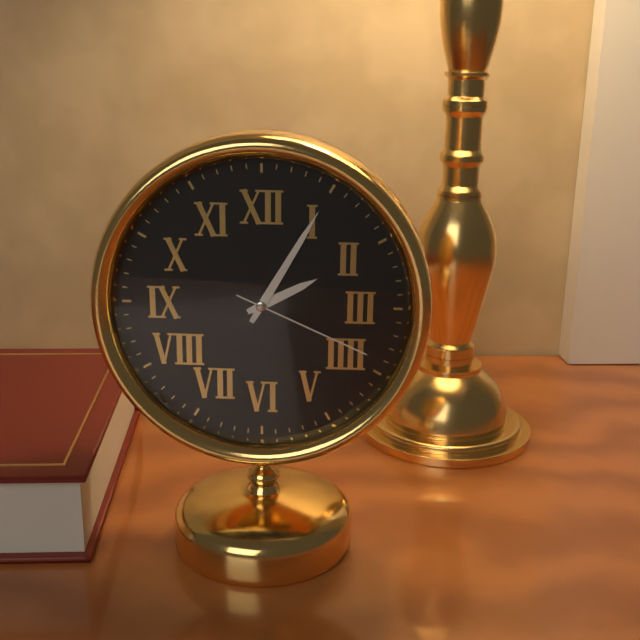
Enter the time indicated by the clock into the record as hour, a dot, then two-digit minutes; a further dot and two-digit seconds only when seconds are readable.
2.05.19
